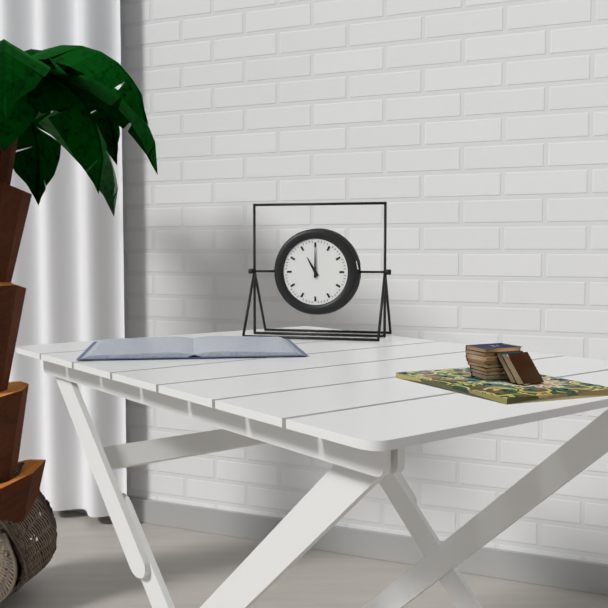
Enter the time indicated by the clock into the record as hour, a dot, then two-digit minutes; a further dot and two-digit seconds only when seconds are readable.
11.00
